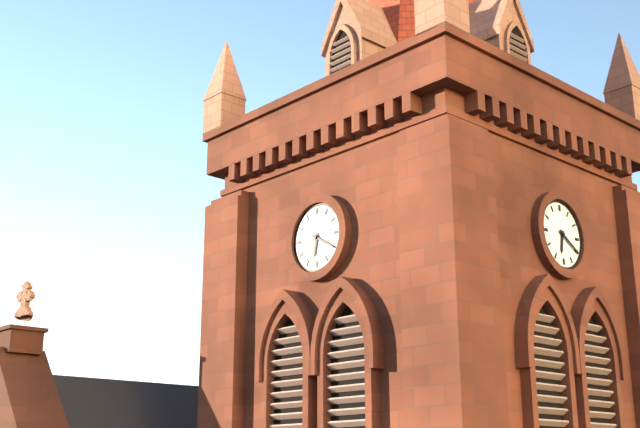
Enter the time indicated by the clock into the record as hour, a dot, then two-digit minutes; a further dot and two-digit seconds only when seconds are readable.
6.20
